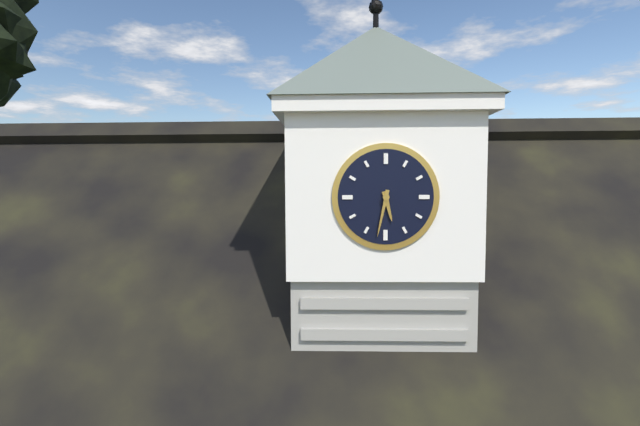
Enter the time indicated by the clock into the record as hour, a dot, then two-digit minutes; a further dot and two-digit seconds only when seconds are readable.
5.32
